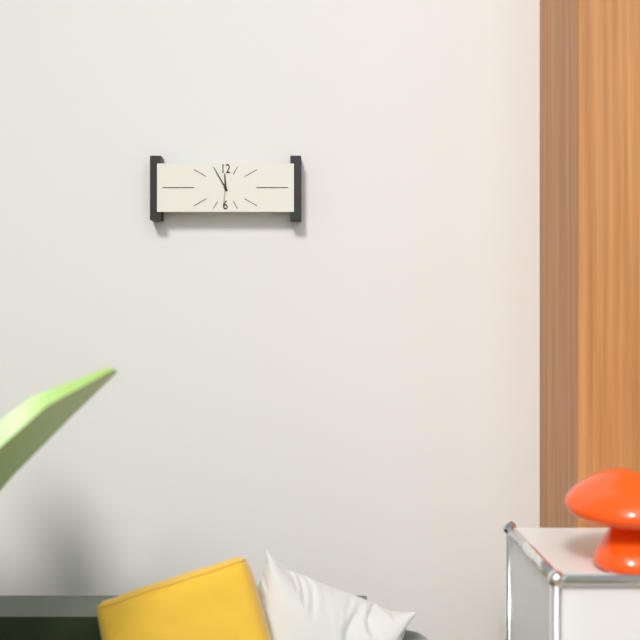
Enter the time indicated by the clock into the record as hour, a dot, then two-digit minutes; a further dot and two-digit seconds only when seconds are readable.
11.55
